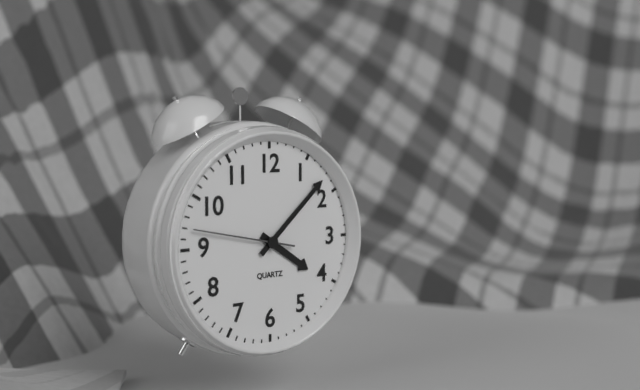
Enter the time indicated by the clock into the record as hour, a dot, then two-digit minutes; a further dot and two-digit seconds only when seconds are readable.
4.08.47
